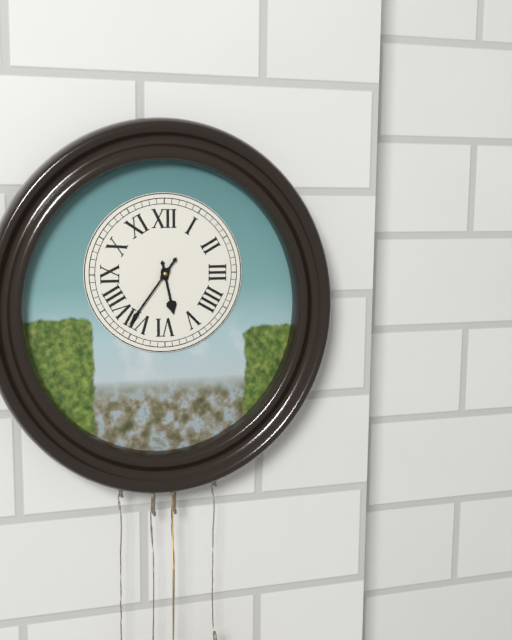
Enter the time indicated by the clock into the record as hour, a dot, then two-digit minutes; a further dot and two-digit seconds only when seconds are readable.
5.36
